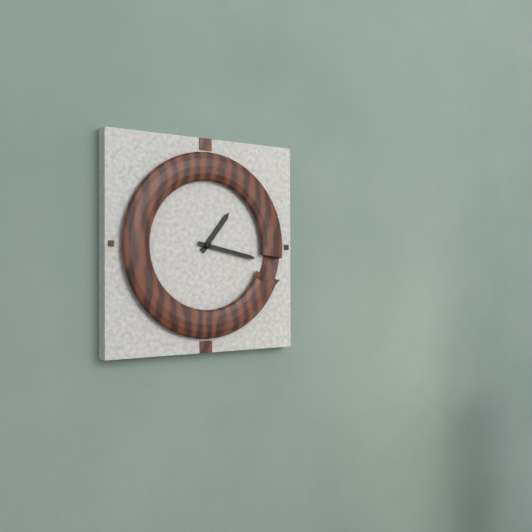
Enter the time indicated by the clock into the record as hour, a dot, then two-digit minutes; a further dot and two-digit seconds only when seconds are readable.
1.17
